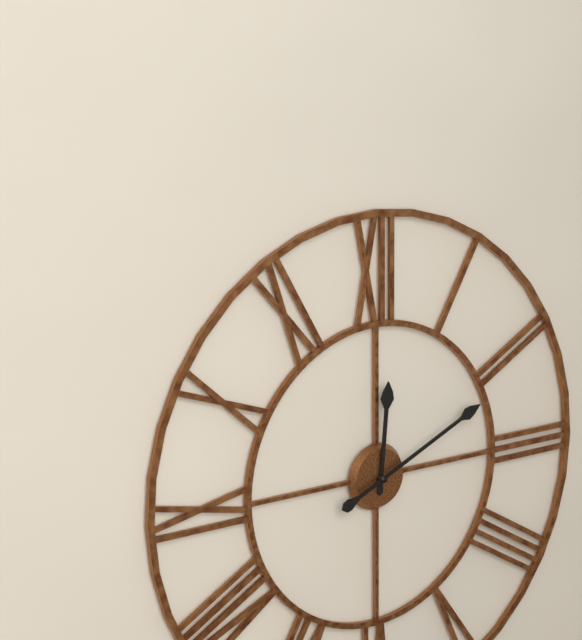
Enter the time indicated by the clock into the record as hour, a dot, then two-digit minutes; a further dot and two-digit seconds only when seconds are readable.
12.11
